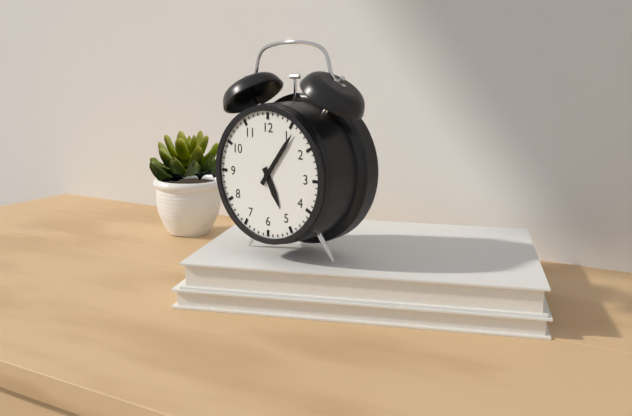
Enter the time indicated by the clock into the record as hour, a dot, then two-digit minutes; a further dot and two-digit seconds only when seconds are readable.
5.06
